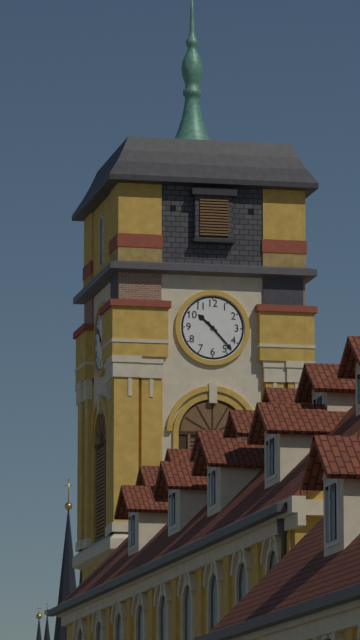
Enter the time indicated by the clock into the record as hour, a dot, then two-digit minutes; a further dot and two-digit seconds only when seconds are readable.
10.23
